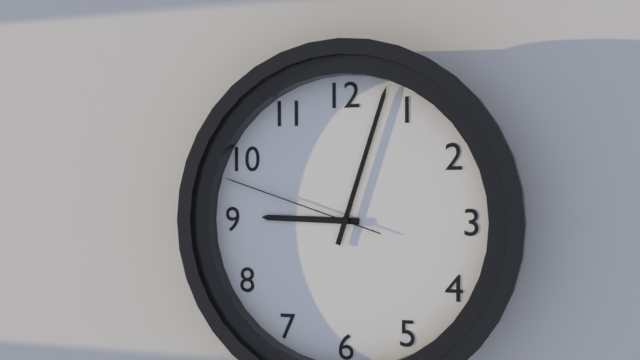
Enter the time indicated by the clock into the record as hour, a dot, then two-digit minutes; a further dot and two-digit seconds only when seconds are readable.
9.03.48
